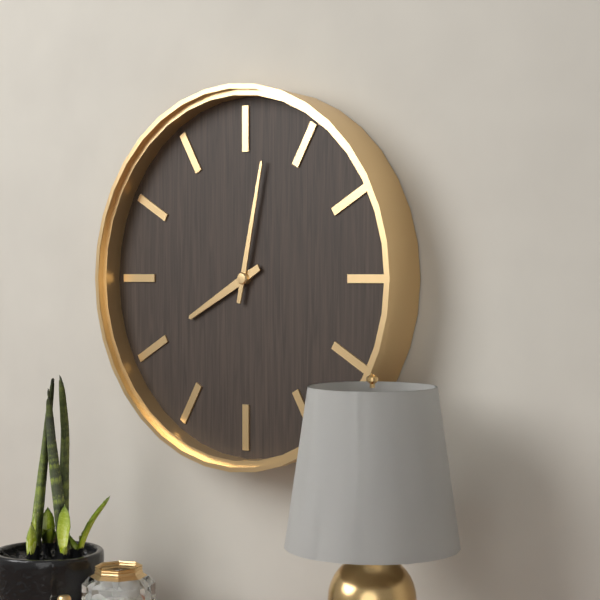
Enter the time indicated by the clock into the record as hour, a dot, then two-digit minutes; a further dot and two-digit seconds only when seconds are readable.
8.02
